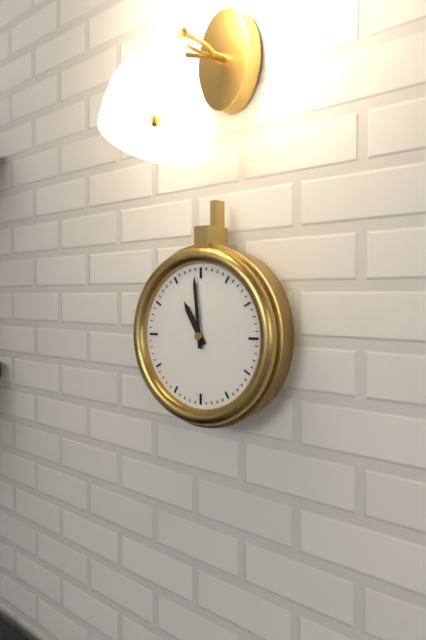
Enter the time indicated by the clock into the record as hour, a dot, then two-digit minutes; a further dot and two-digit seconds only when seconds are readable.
10.59
